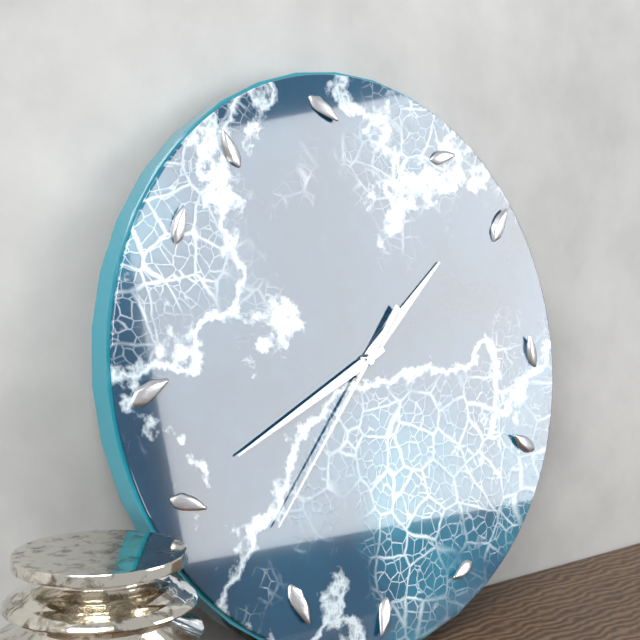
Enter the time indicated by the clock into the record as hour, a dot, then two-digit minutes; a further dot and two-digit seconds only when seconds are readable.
1.41.37
